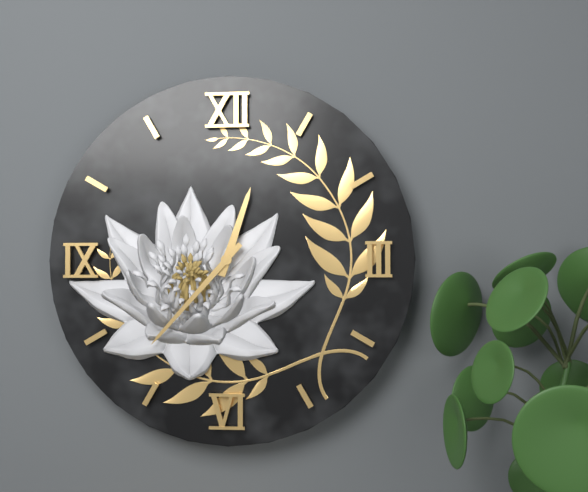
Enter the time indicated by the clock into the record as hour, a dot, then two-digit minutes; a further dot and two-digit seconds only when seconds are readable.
12.37
